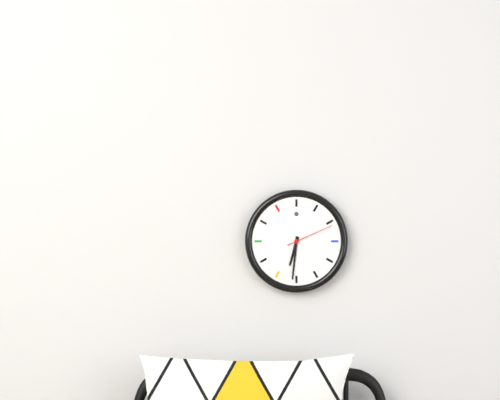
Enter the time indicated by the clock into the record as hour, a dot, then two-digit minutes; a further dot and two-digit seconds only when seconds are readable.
6.31
